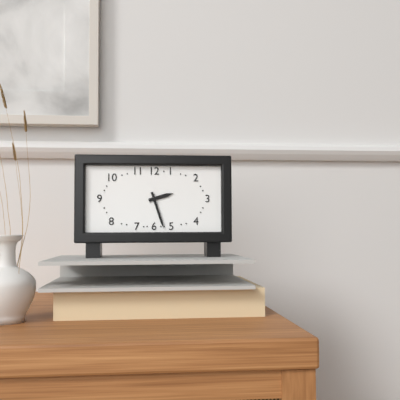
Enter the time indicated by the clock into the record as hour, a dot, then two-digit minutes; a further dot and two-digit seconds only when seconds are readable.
2.27
